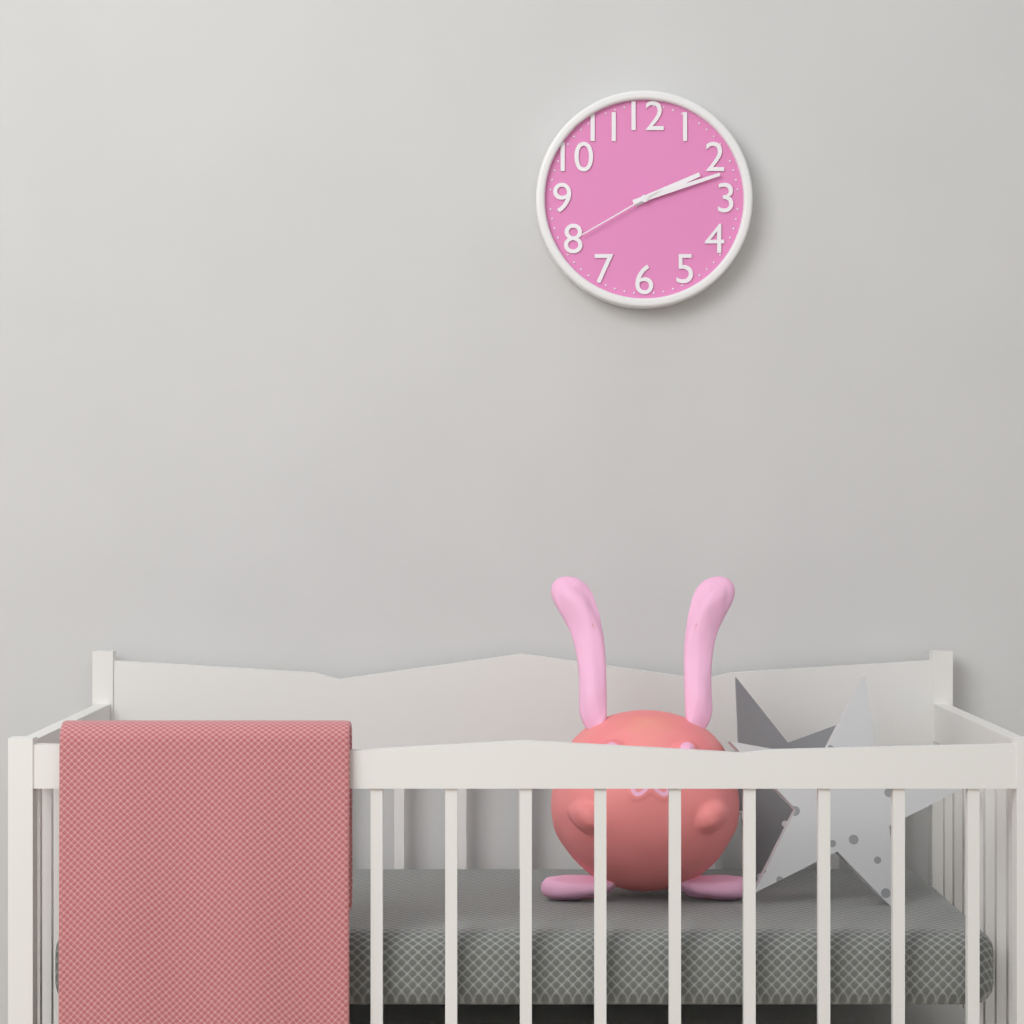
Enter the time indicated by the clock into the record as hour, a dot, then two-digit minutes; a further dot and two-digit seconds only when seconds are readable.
2.12.40
